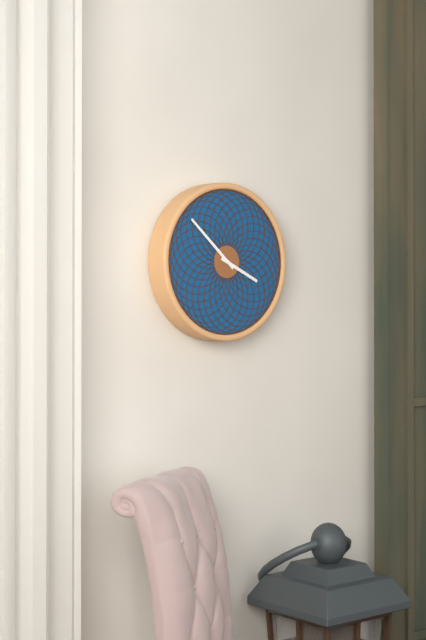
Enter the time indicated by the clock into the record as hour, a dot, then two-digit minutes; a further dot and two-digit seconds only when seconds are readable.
3.52
